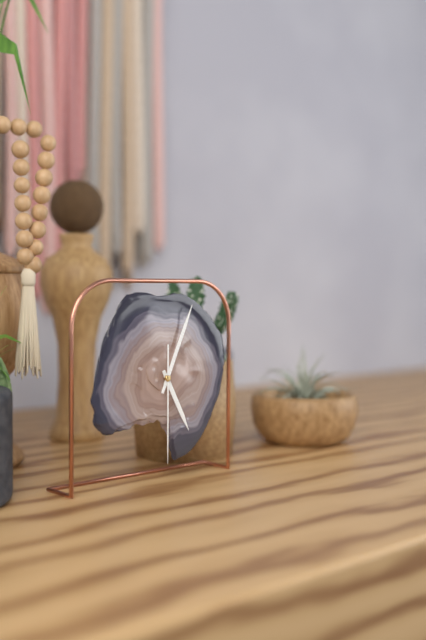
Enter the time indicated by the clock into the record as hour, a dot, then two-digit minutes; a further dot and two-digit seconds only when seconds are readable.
5.04.30
